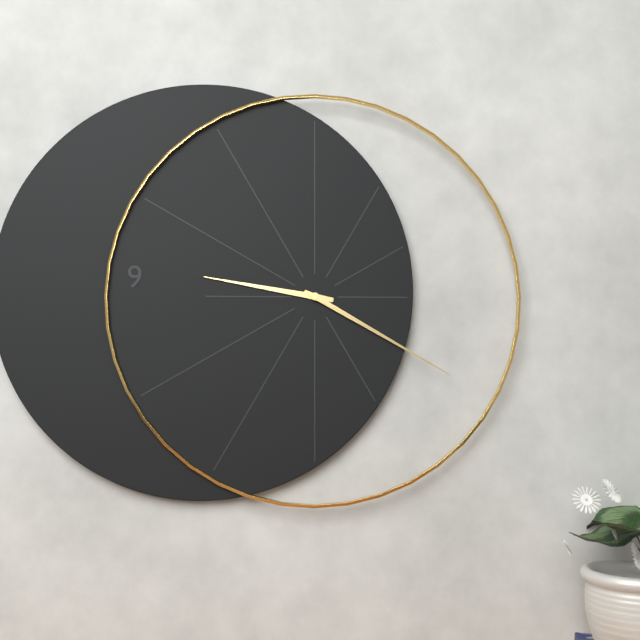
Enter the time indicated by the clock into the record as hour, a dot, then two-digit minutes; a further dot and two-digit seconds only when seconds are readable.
9.20
